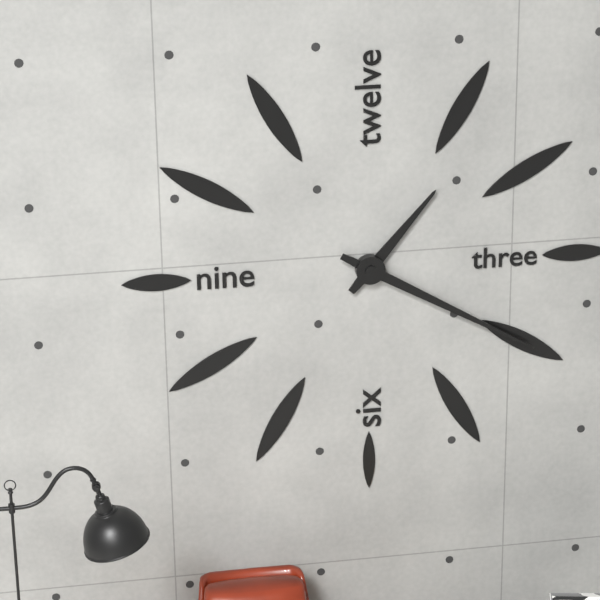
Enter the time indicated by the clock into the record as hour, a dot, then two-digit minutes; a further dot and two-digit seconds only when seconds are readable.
1.20
